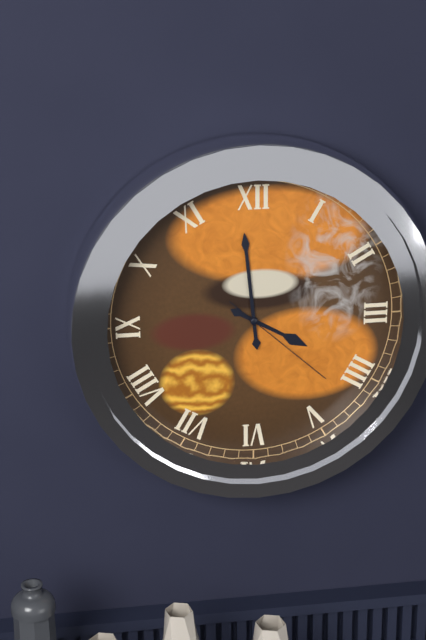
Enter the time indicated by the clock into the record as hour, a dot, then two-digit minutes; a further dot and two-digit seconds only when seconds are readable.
3.59.22
